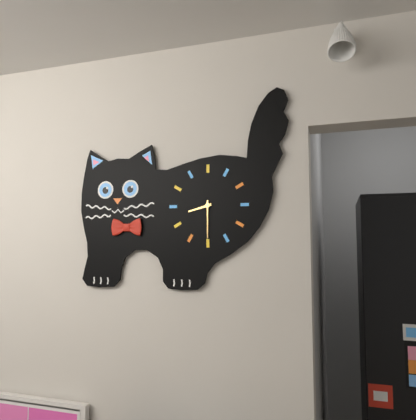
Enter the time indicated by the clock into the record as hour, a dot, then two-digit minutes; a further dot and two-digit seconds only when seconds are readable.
8.30
